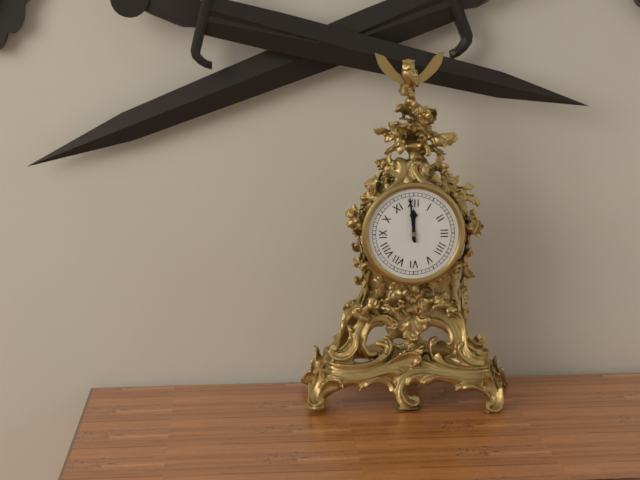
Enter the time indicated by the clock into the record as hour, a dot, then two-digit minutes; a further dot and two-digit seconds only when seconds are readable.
11.59
